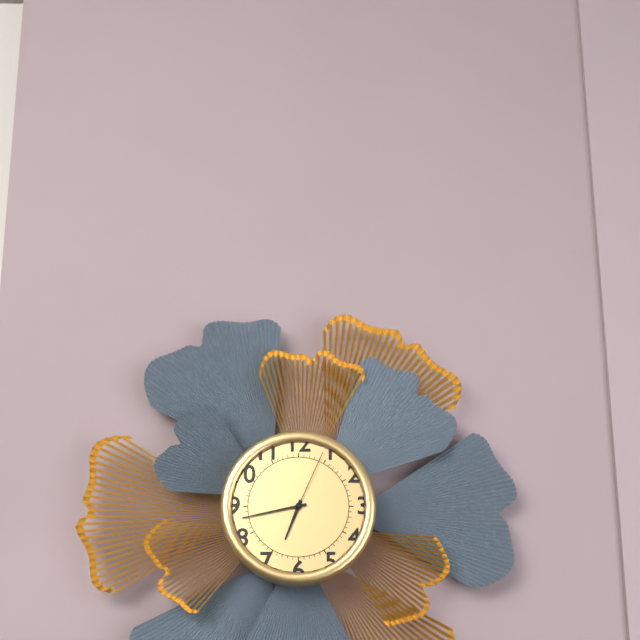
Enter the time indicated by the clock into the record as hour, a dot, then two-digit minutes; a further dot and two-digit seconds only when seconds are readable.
6.43.04
